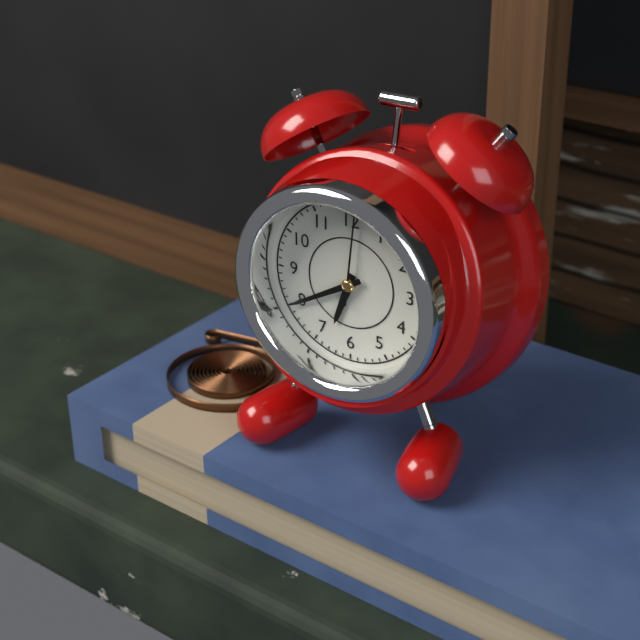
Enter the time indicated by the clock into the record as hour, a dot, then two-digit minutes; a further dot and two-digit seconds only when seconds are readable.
6.40.01
